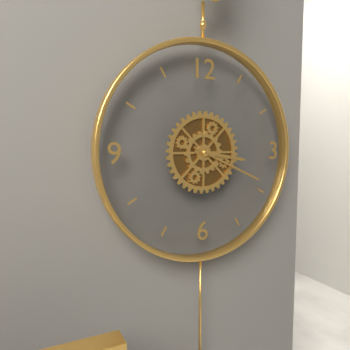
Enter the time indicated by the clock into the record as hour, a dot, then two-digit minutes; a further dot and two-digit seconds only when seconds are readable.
3.19
